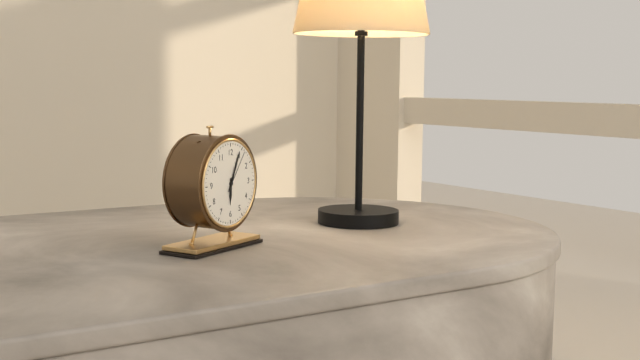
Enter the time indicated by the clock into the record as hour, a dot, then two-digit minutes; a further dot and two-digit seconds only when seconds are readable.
6.04
